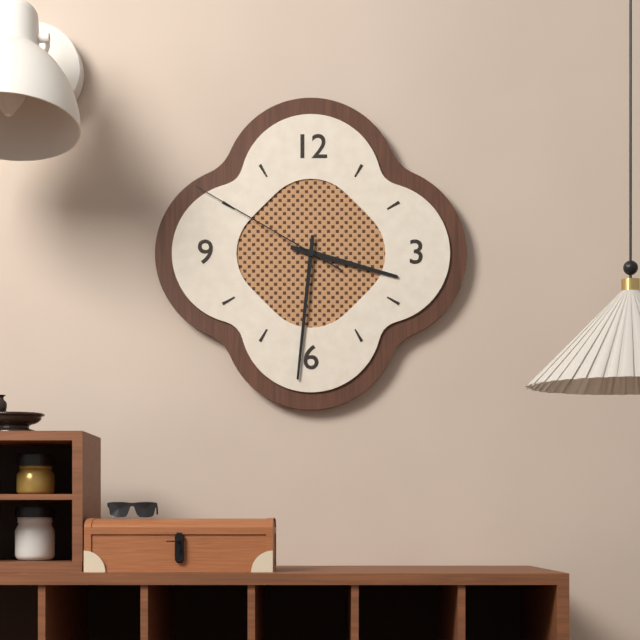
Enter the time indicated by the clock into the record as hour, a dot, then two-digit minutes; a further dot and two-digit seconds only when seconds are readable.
3.31.50
